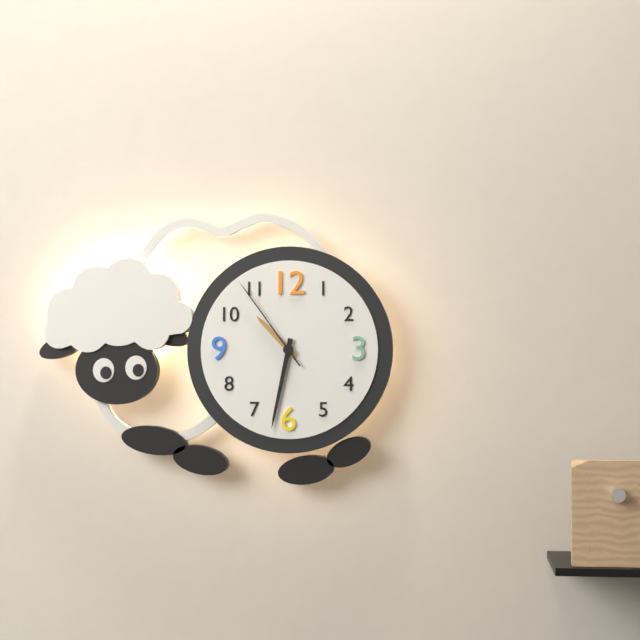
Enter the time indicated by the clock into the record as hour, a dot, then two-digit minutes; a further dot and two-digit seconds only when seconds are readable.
10.32.54
